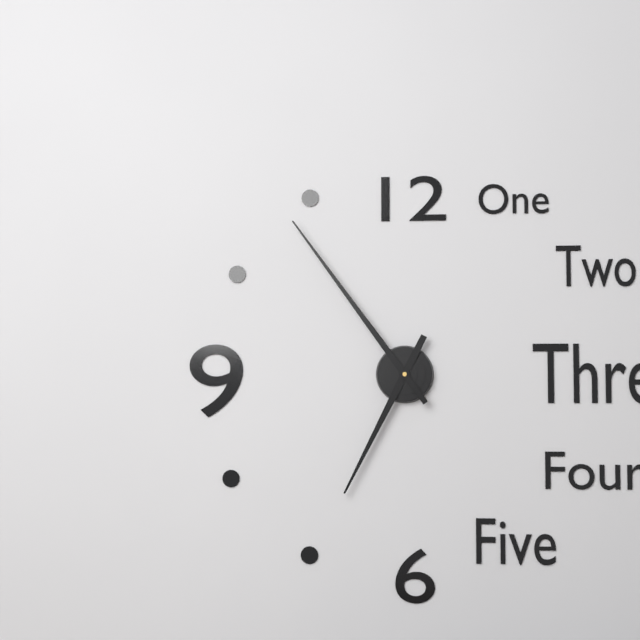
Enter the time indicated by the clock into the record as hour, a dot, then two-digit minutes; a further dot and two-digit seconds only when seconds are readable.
6.54
